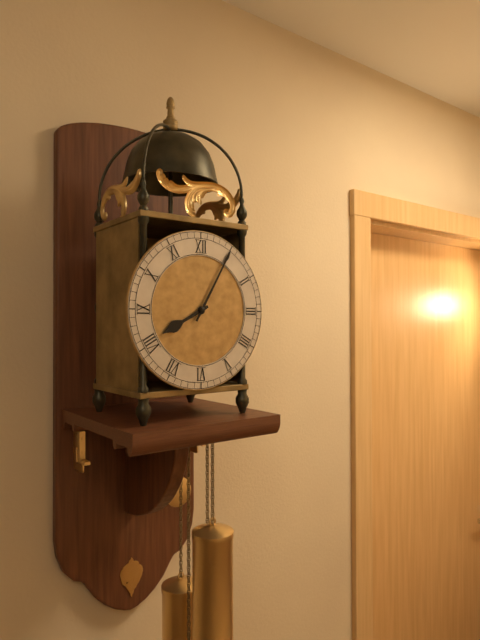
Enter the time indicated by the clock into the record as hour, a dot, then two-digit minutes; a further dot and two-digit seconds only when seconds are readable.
8.05
